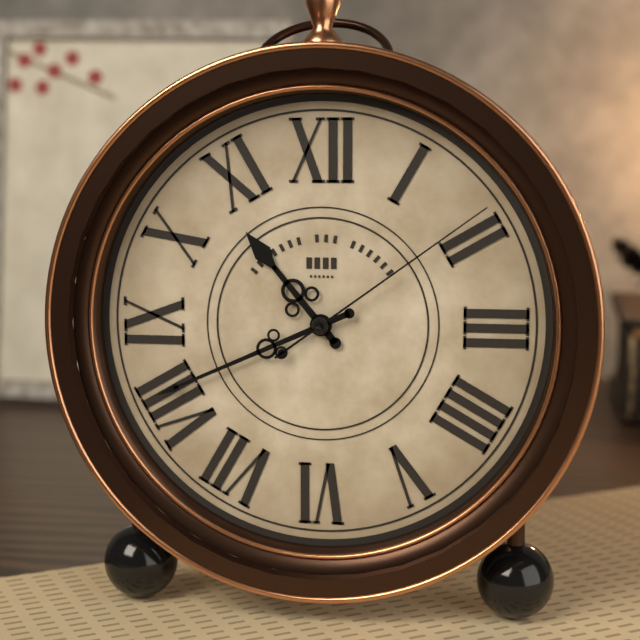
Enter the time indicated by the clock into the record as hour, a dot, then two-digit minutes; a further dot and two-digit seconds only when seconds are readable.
10.41.09
